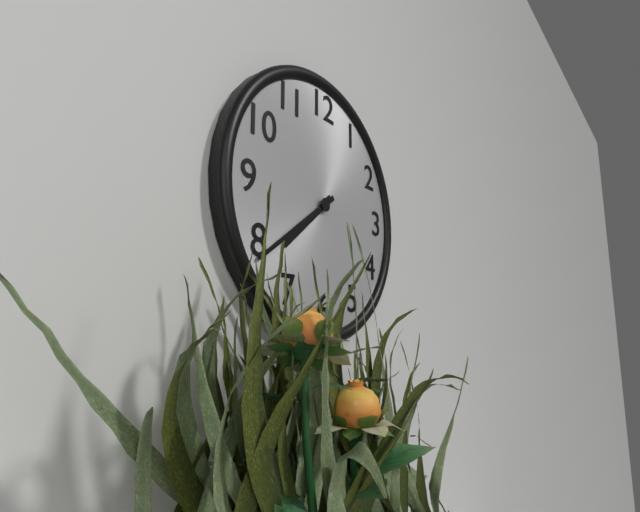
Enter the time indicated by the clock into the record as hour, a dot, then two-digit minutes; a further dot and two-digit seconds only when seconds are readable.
7.39
